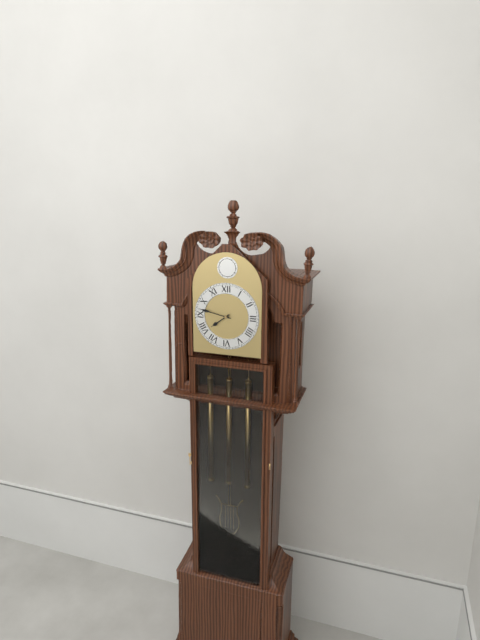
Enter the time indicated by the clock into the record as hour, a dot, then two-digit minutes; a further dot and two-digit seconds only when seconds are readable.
7.47
